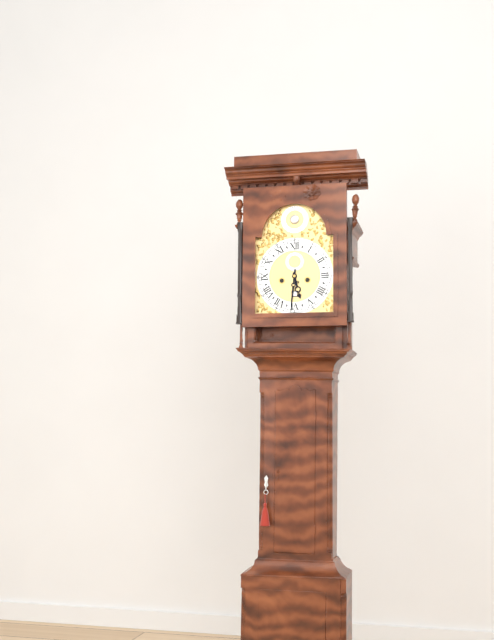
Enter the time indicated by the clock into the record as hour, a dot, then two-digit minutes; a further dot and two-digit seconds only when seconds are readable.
5.31
